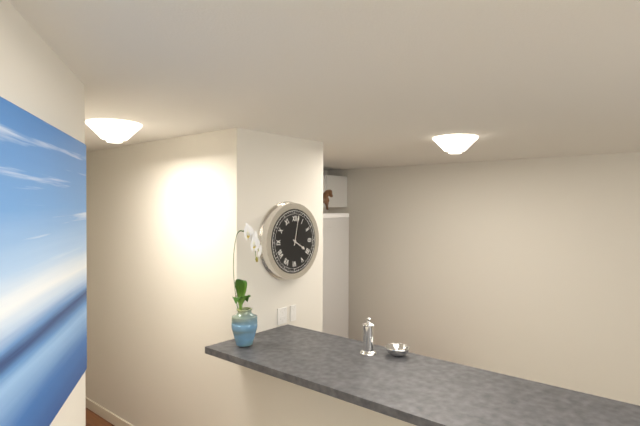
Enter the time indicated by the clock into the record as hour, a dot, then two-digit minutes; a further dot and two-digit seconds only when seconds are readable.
4.02
